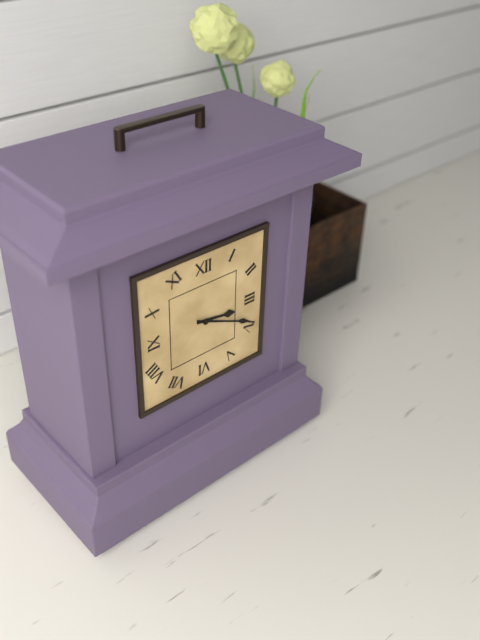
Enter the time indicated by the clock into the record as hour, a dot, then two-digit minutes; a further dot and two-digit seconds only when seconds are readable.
3.19
